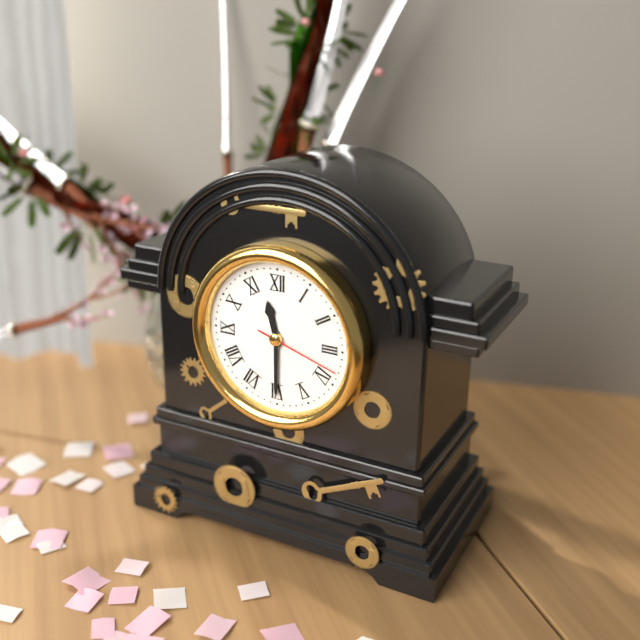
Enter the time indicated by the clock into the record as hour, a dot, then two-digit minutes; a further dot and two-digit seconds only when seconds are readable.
11.30.18
